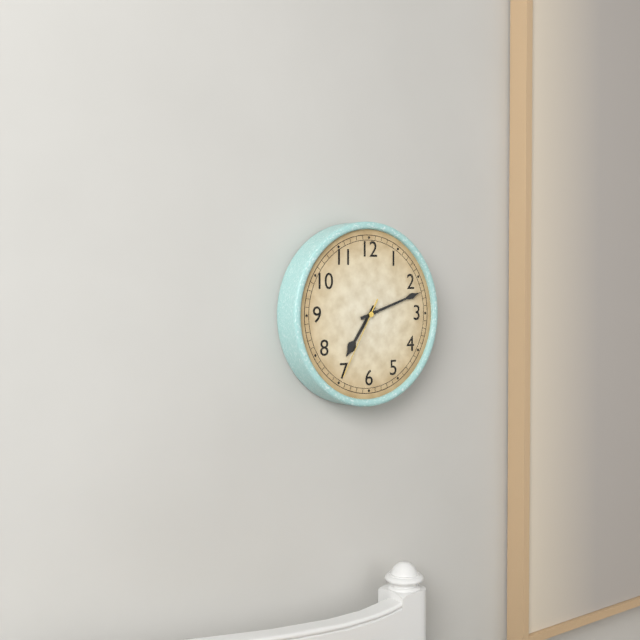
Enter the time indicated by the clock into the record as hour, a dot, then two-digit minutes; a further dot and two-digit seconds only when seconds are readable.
7.12.35
